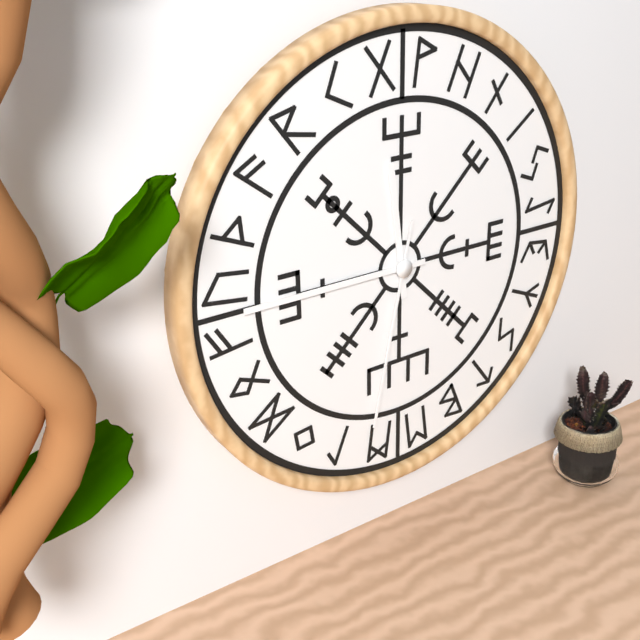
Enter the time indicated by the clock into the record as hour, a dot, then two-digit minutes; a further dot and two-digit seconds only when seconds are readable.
11.45.32
